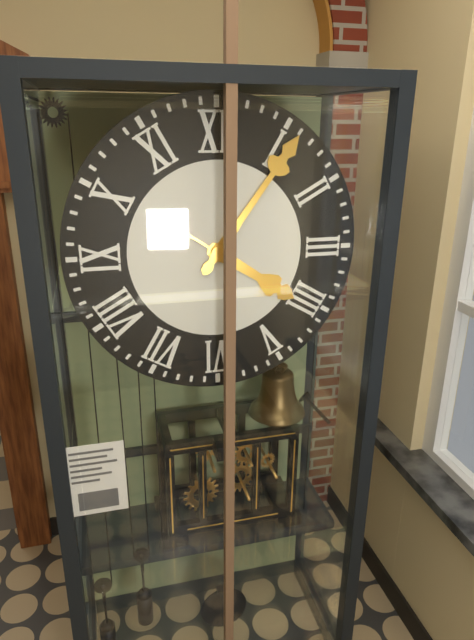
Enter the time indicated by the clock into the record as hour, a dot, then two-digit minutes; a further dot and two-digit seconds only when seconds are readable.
4.06
